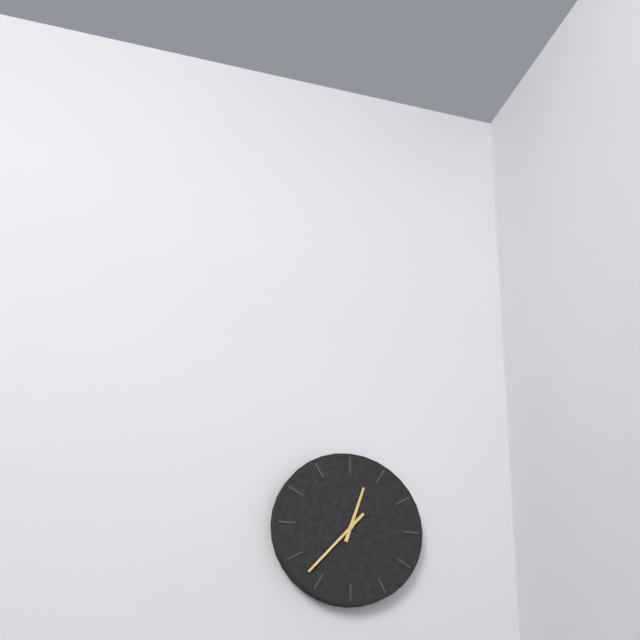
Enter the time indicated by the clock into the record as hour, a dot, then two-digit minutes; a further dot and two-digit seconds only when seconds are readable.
12.37
